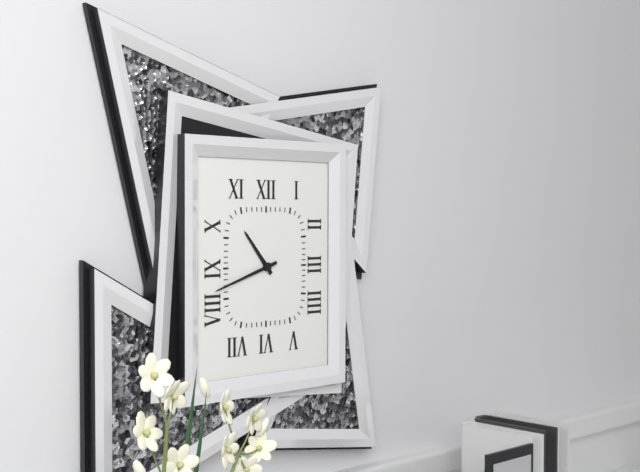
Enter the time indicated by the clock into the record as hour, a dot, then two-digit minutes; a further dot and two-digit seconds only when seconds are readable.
10.42
